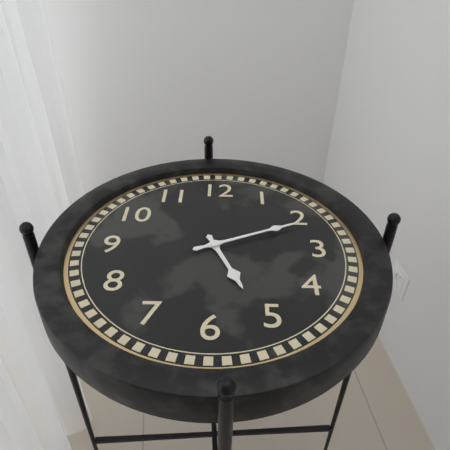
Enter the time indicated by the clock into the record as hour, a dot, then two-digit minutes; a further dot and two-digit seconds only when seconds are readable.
5.11
